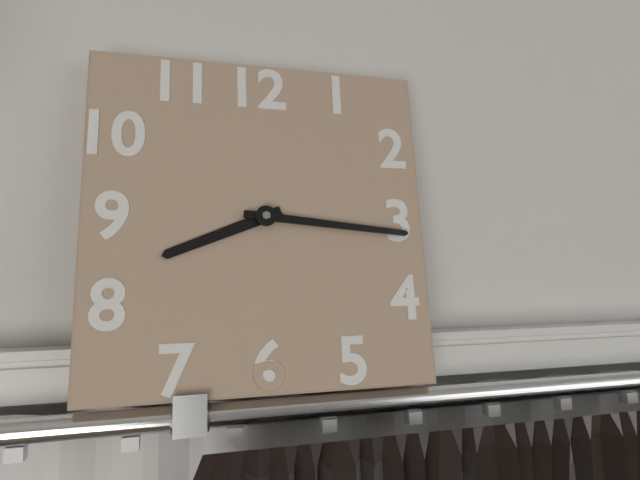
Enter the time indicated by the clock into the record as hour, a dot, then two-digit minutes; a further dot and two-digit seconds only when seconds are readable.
8.16
